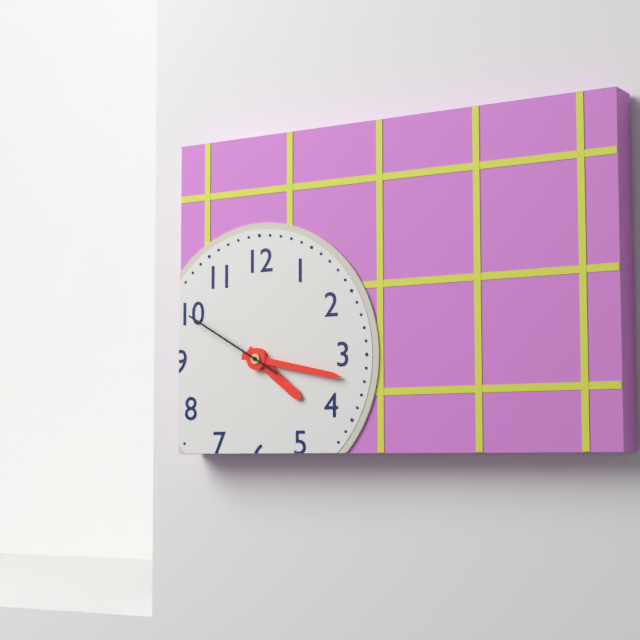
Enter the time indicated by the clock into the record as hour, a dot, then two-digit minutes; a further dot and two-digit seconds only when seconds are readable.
4.17.50
